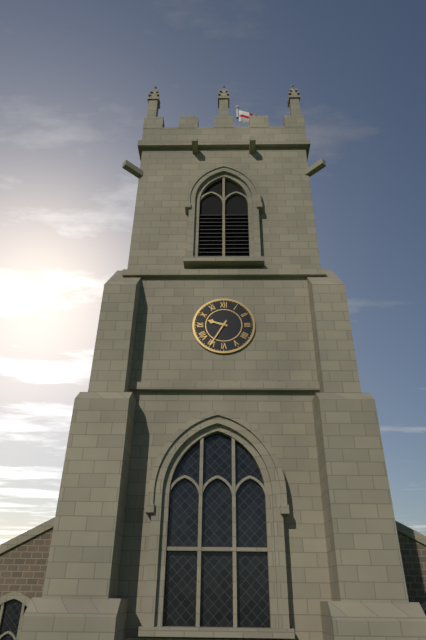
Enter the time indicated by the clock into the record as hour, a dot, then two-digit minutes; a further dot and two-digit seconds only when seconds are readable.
9.35
